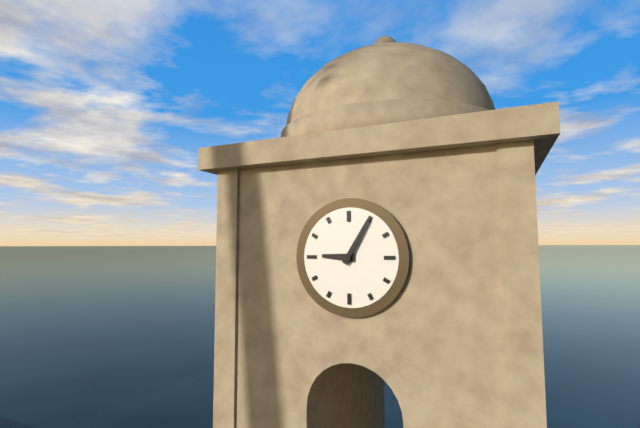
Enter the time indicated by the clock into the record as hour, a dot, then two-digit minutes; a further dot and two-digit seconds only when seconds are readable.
9.05
